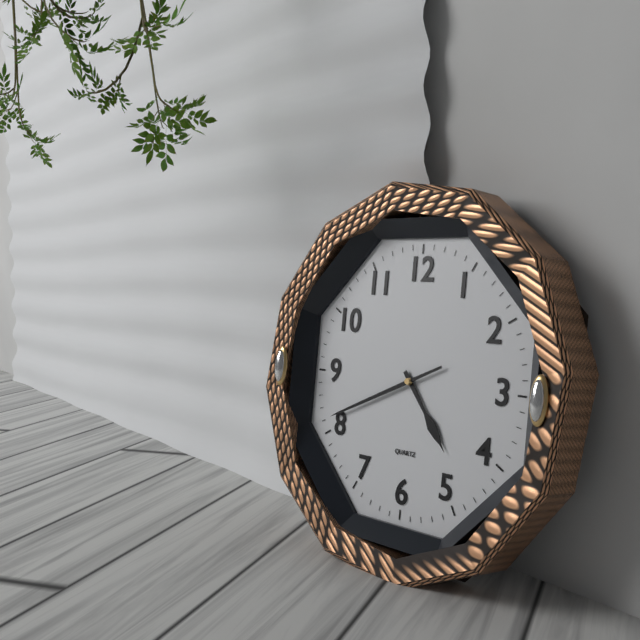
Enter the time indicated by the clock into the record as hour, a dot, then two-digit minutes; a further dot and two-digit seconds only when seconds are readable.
4.41
